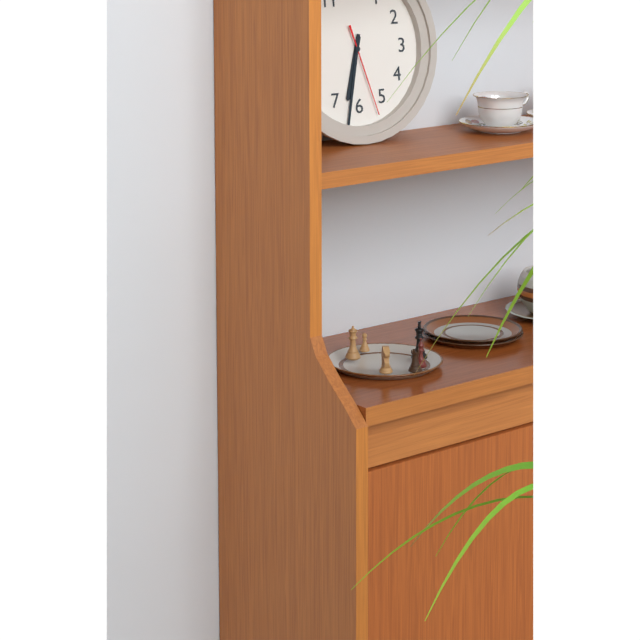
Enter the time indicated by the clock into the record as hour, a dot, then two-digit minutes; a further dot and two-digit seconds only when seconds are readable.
6.32.27
